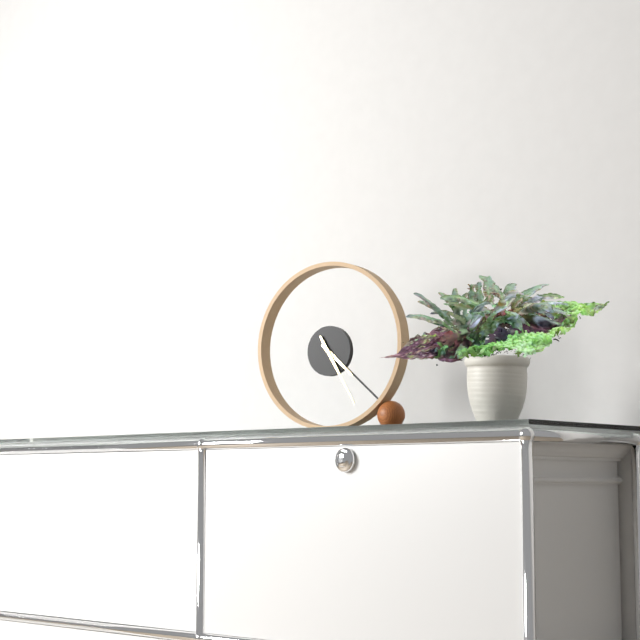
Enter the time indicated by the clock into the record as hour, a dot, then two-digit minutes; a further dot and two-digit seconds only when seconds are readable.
4.25
